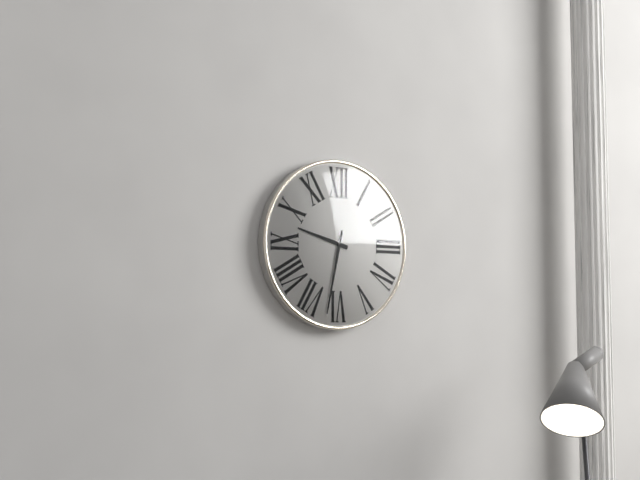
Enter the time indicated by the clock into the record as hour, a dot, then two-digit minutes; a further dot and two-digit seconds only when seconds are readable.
9.32
